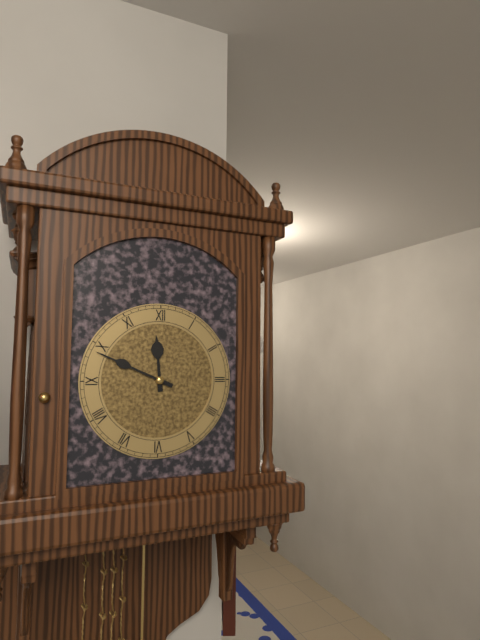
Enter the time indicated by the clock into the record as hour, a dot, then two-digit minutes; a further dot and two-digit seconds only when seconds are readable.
11.49
